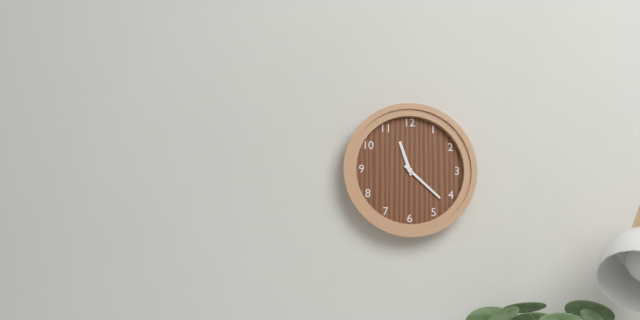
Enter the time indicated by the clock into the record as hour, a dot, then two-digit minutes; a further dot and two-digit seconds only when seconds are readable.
11.22
